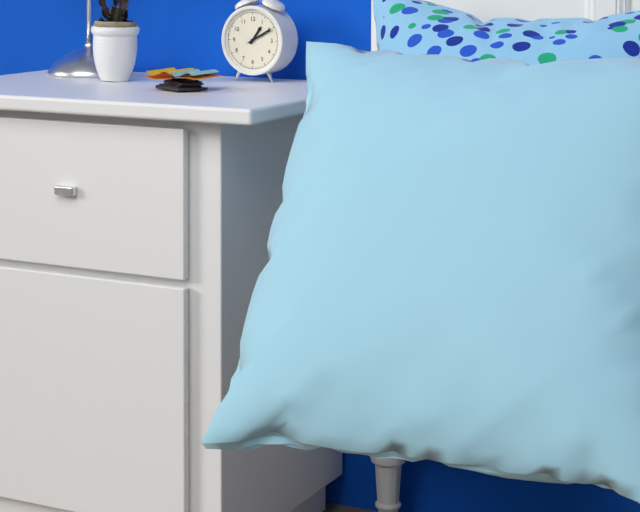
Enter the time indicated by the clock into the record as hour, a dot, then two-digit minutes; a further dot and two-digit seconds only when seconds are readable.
1.10
